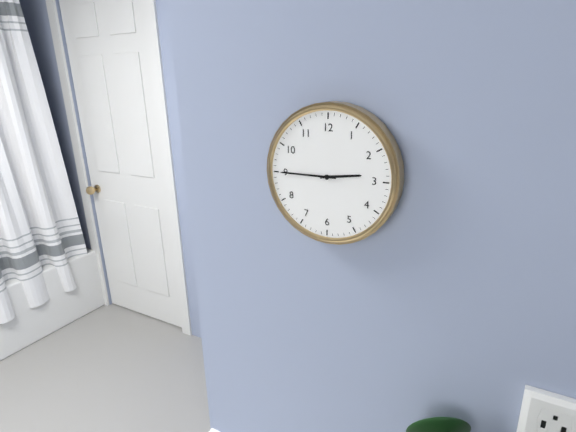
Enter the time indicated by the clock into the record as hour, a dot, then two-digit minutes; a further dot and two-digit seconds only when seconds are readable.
2.45
